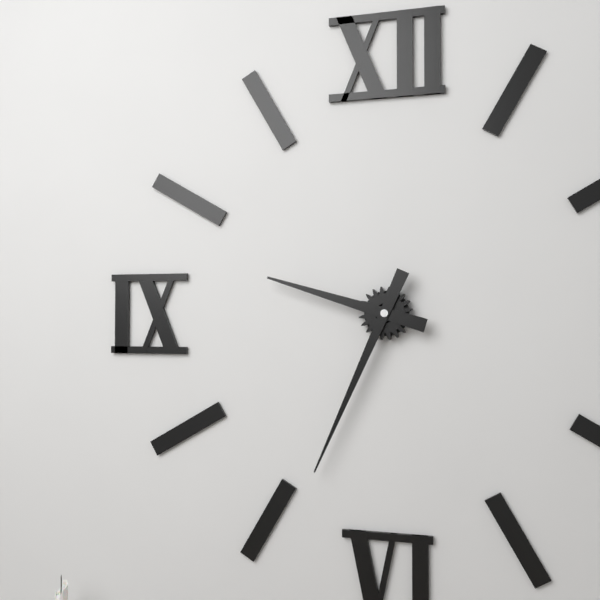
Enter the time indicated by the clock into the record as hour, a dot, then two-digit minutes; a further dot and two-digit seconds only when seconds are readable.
9.34
